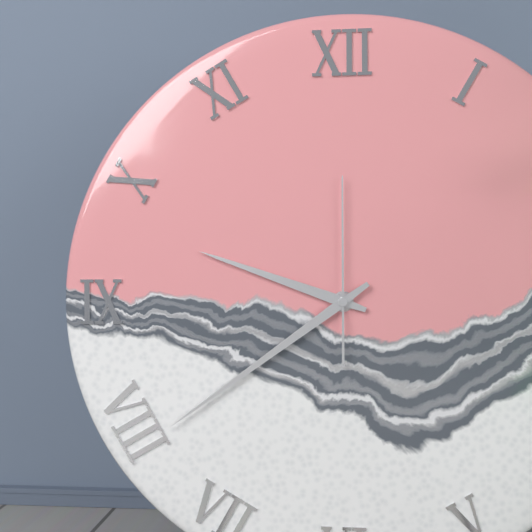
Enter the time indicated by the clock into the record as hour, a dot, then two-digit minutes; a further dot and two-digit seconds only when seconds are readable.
9.39.00
